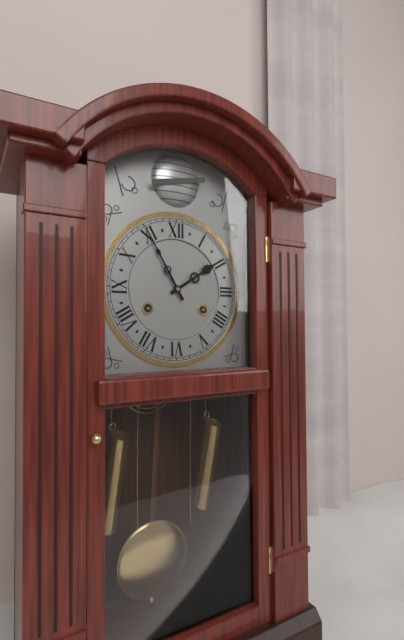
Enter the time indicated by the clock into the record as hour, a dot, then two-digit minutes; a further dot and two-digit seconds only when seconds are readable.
1.55
